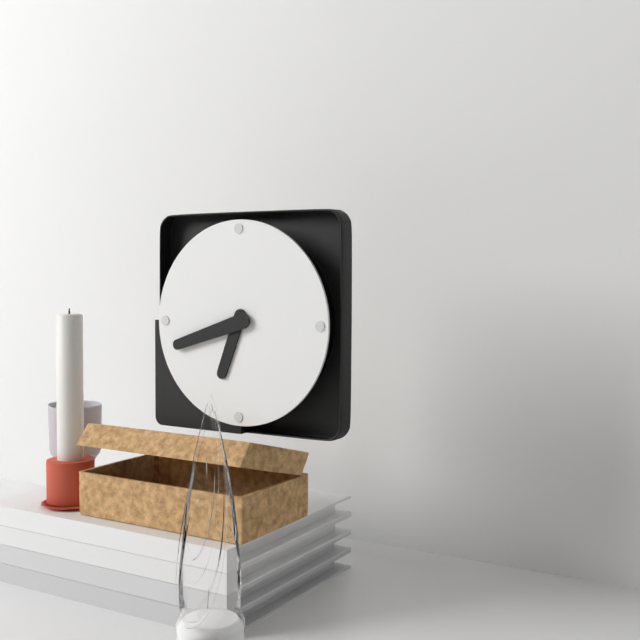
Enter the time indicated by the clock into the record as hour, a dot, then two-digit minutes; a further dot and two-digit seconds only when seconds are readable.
6.42
